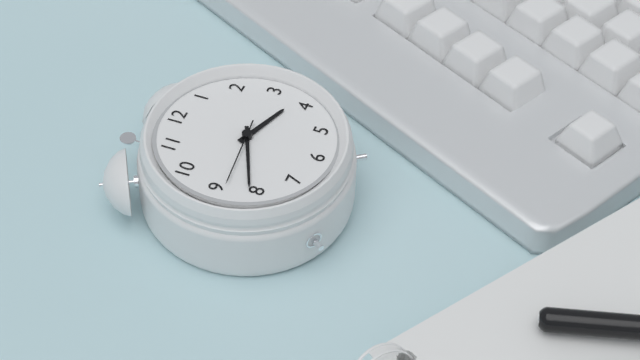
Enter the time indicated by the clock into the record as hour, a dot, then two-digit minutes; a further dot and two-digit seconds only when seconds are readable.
3.41.44
